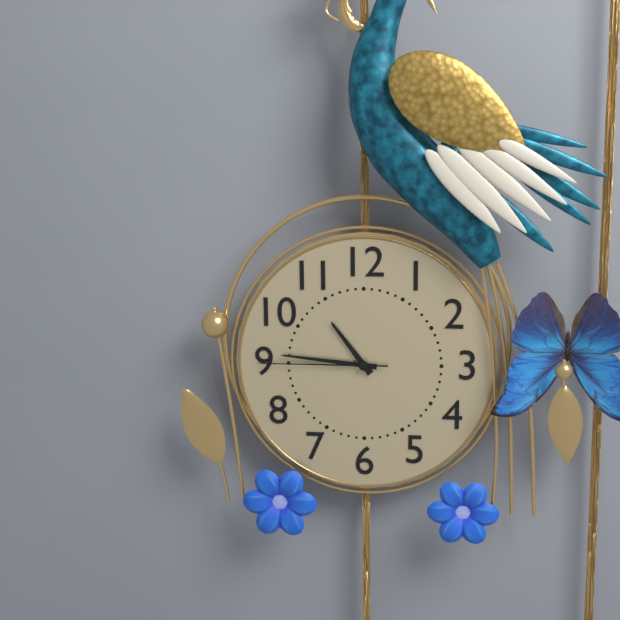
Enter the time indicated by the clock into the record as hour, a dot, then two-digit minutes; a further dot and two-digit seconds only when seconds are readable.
10.46.45
